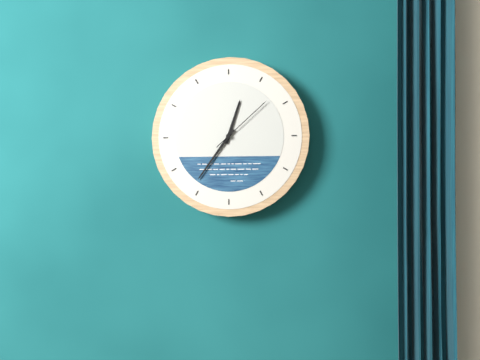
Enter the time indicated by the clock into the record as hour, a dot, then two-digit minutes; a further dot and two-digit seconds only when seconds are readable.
12.36.08
